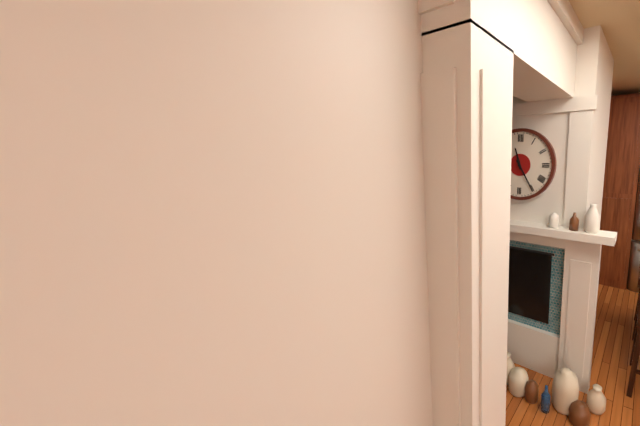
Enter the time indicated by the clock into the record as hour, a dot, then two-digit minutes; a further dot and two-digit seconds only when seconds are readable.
11.25
